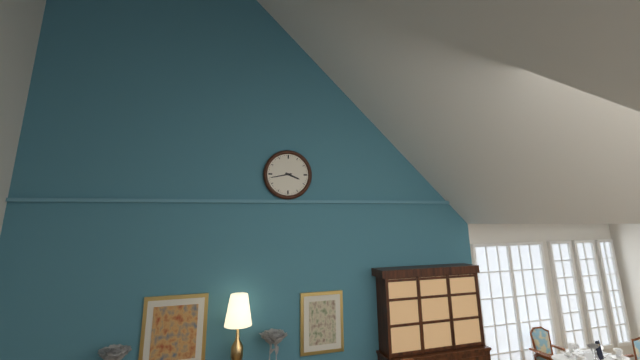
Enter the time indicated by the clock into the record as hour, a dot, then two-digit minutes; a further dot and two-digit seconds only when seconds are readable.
3.43
